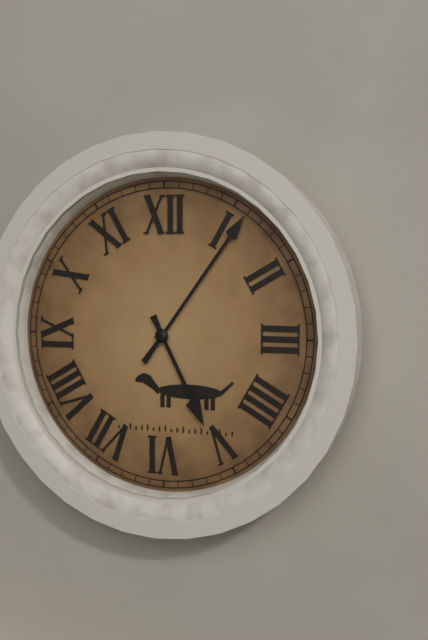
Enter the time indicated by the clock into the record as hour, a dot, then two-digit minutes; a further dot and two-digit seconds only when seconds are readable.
5.06
